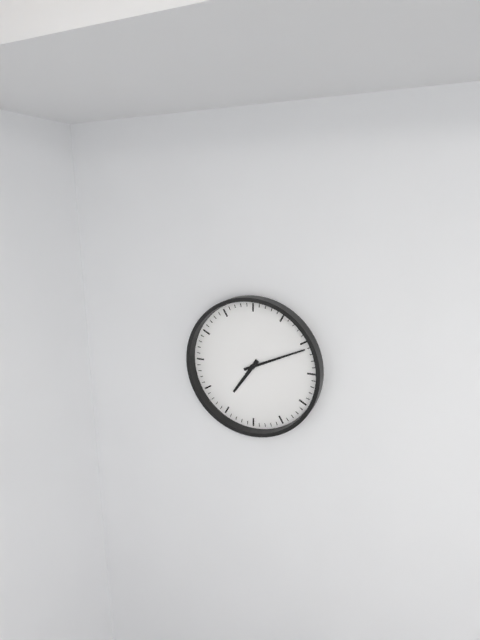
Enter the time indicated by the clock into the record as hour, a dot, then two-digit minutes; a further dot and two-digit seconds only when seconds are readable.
7.11
